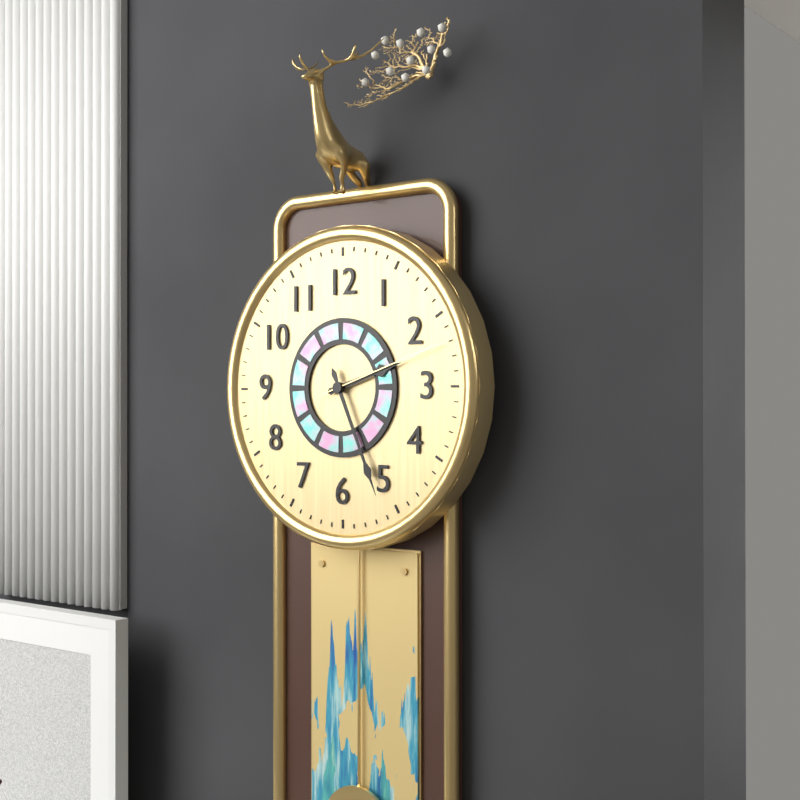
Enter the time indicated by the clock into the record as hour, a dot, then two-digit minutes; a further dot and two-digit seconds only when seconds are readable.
2.26.12
